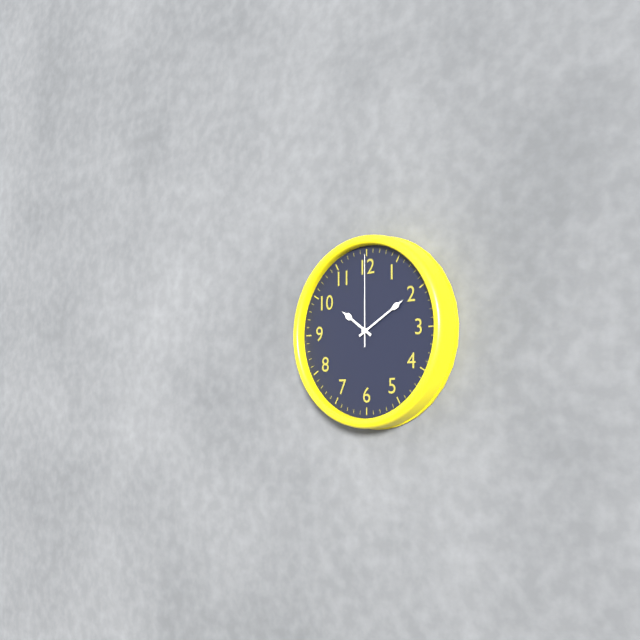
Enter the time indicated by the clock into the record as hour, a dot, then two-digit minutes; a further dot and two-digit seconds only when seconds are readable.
10.10.00
